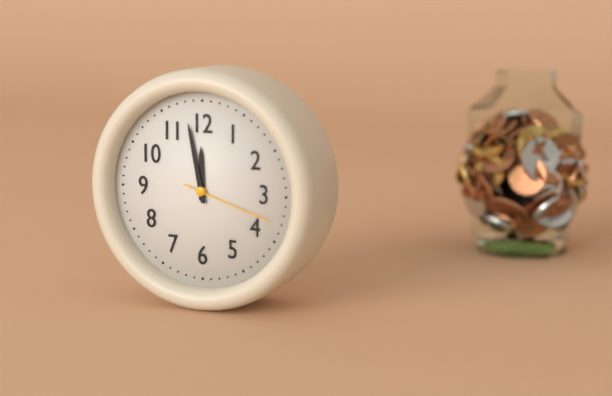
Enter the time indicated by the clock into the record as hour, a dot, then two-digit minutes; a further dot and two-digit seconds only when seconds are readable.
11.58.18
